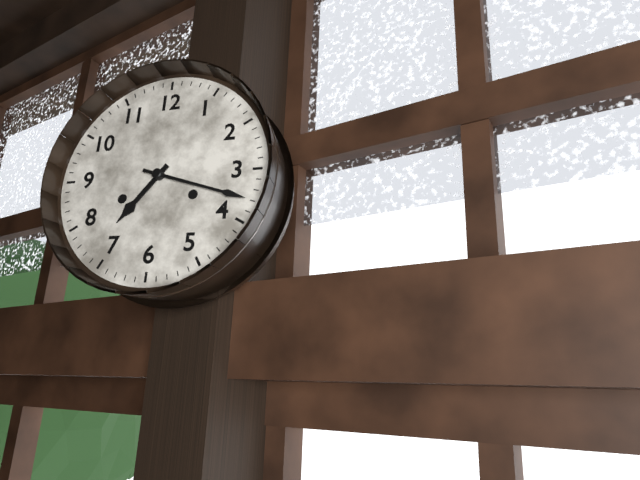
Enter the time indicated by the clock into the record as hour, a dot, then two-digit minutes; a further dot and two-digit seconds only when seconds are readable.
7.18
